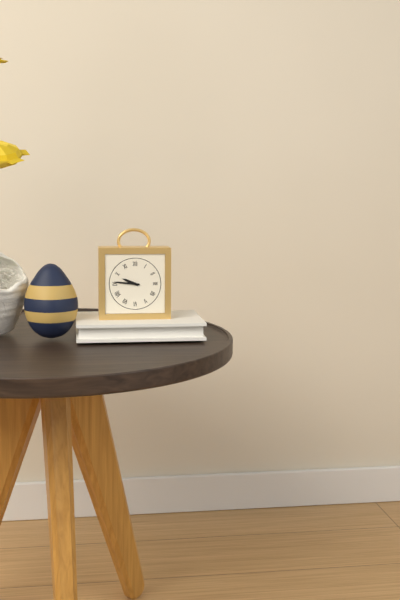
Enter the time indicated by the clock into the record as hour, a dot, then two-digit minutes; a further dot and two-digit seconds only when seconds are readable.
9.46
